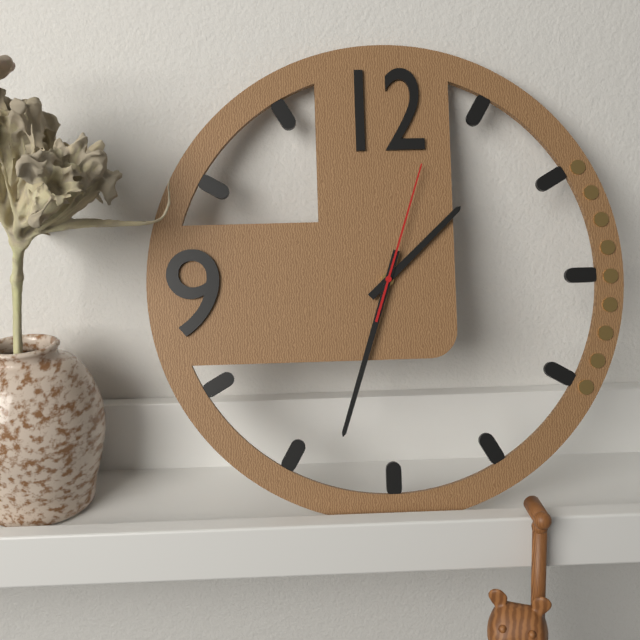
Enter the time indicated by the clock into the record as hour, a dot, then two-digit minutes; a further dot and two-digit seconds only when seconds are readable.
1.33.03
